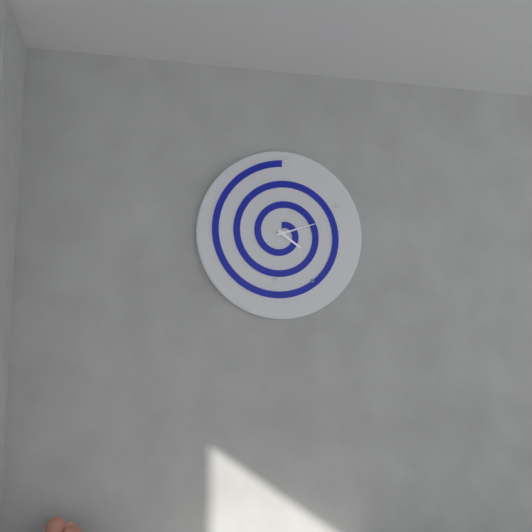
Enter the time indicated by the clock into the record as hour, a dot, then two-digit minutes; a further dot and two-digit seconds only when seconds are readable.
4.12
